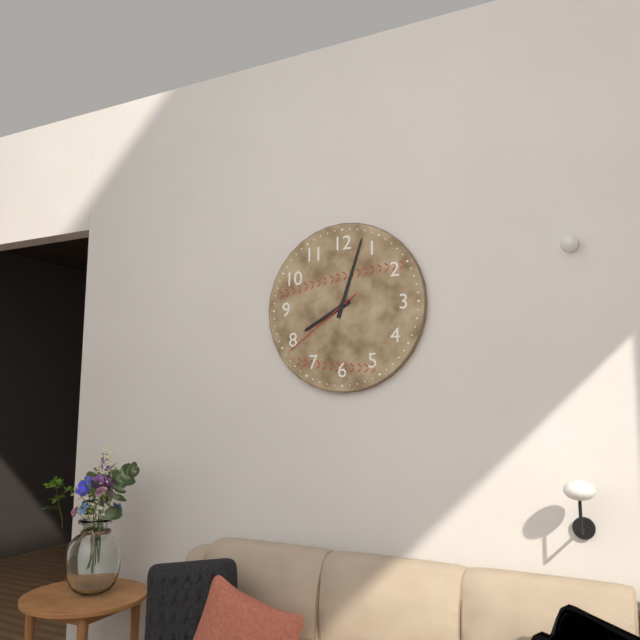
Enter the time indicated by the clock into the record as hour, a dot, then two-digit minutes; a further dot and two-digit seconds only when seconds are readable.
8.03.39
